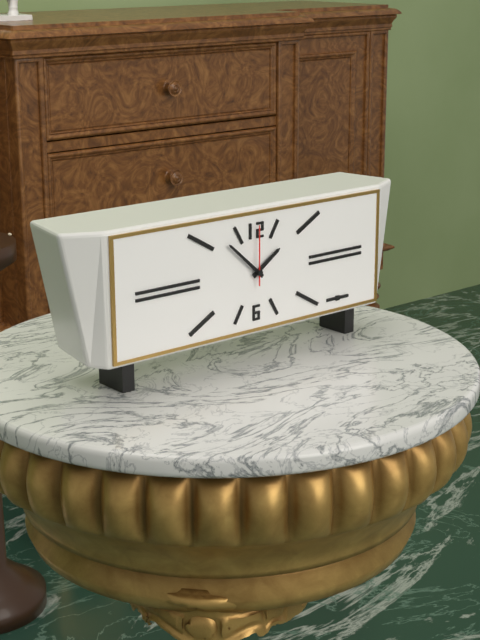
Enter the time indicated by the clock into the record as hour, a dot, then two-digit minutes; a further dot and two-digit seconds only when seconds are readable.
1.52.00
